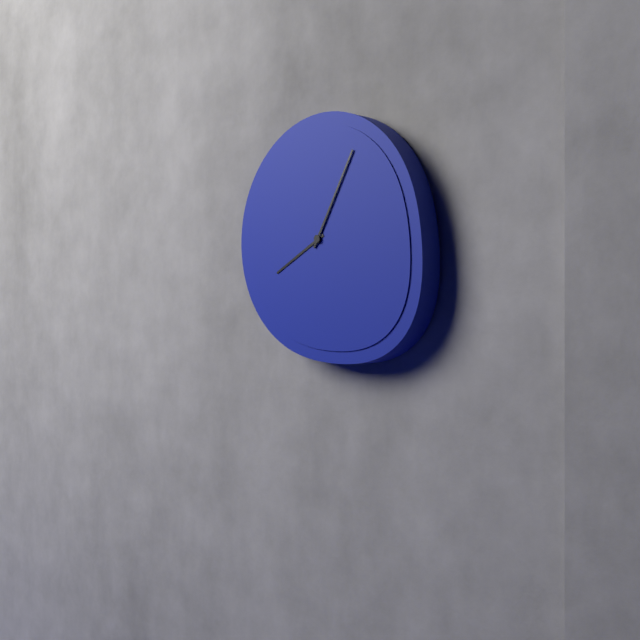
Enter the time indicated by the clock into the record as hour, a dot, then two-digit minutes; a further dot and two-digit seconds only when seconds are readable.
8.05
